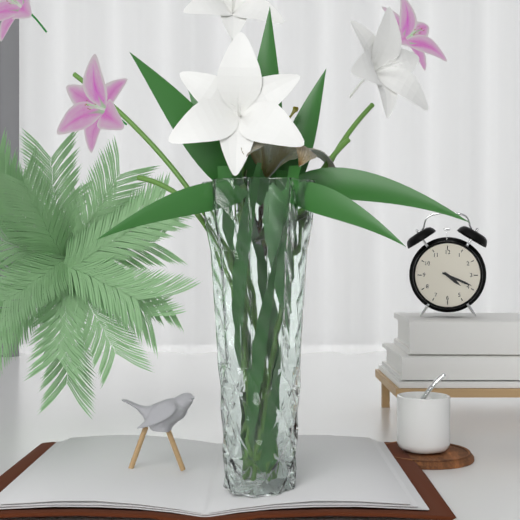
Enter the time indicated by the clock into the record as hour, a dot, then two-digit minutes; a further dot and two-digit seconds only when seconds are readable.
4.19
